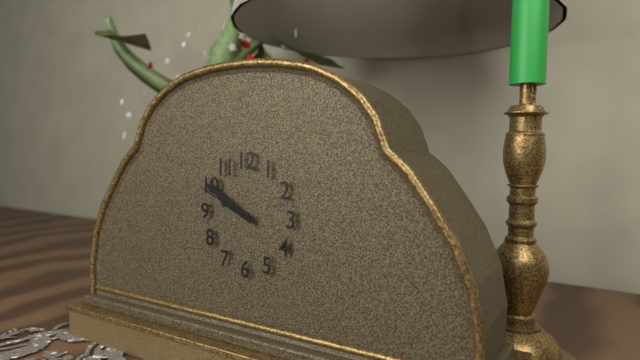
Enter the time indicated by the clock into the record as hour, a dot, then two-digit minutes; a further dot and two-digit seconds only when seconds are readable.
9.50.49
